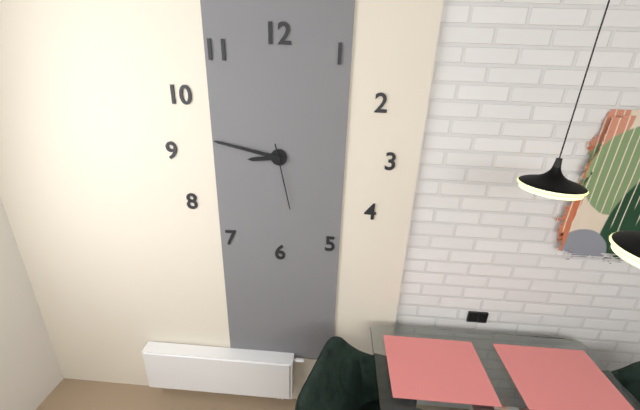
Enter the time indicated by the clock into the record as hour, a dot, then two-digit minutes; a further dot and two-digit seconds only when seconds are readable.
8.47.28
